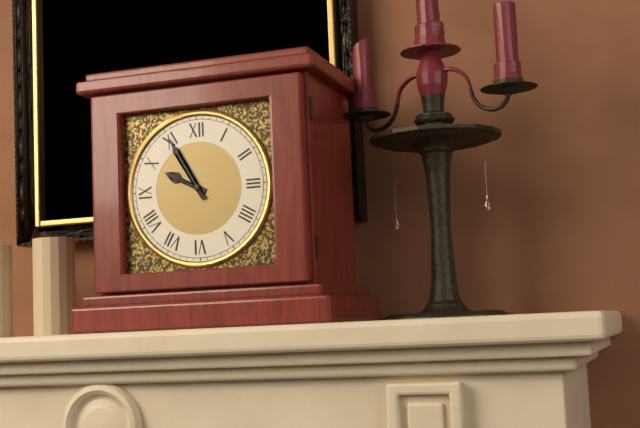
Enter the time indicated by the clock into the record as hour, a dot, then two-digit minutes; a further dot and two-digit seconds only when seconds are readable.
9.55
